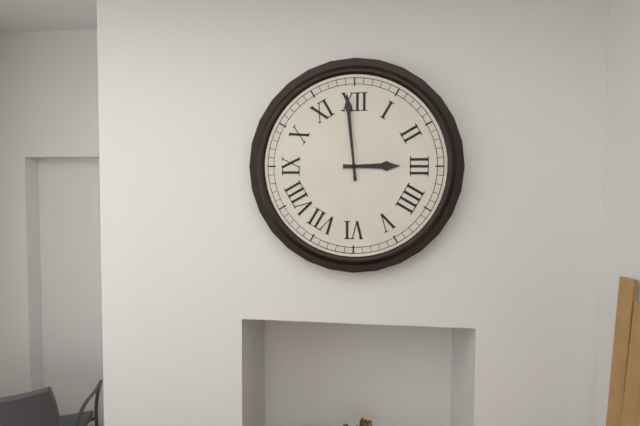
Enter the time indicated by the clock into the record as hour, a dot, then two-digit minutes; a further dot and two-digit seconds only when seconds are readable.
2.59
